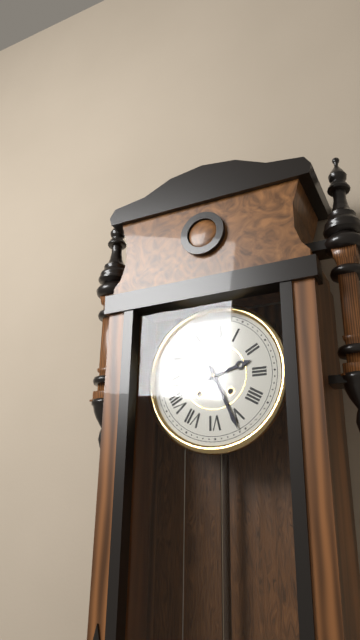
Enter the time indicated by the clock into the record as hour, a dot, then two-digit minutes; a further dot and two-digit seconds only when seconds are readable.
2.26
